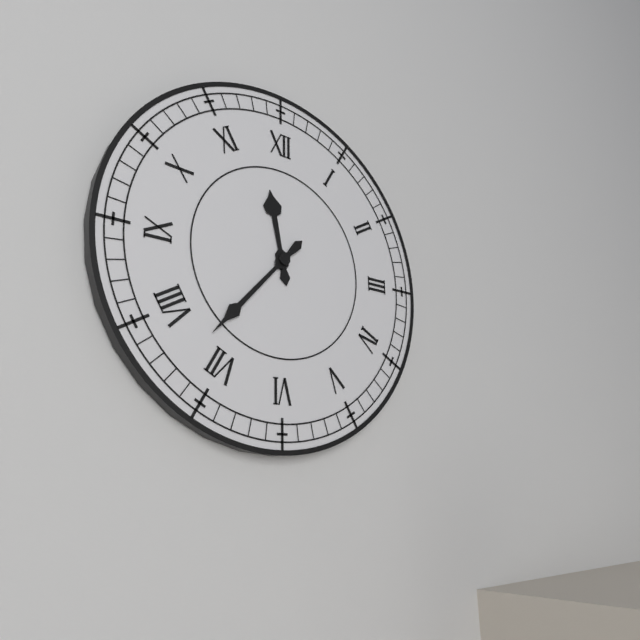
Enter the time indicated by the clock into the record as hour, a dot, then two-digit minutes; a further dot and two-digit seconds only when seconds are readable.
11.37
